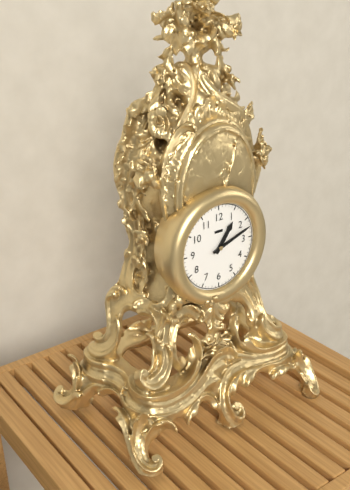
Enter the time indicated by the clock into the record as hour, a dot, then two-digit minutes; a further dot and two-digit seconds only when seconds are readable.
1.12
